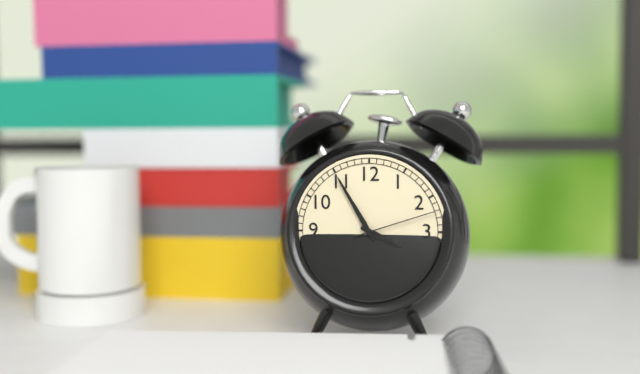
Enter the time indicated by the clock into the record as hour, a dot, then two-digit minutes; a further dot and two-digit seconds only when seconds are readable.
3.55.12
